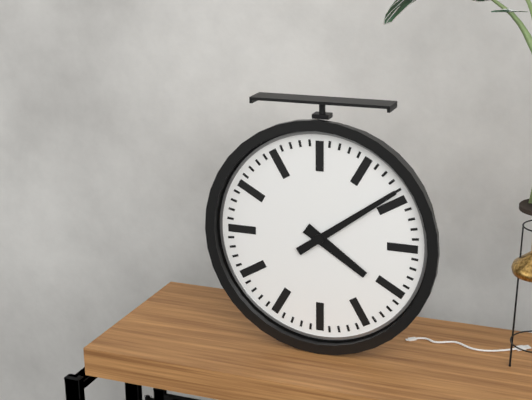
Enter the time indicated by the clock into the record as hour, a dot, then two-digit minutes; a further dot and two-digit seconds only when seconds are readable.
4.09
